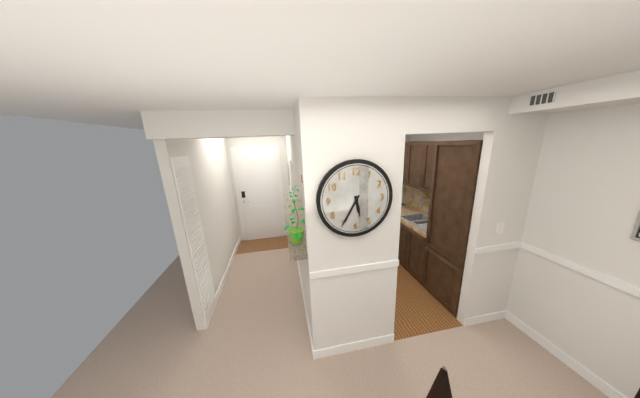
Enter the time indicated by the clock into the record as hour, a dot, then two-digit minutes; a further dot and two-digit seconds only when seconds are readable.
5.35
